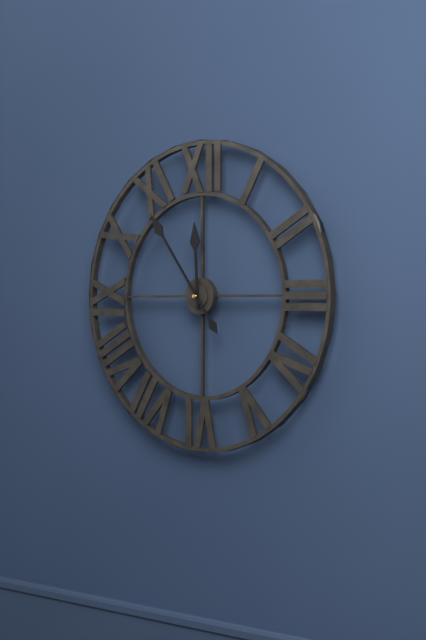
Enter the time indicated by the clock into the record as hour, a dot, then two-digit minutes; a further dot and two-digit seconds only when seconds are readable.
11.54
